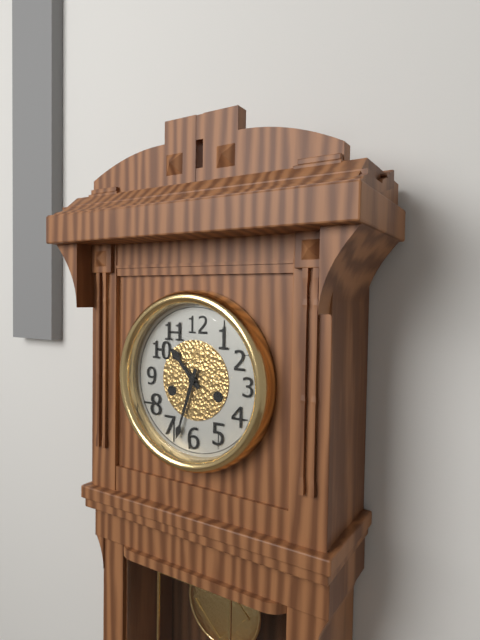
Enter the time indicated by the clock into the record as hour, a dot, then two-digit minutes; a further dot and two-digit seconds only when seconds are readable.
10.33
